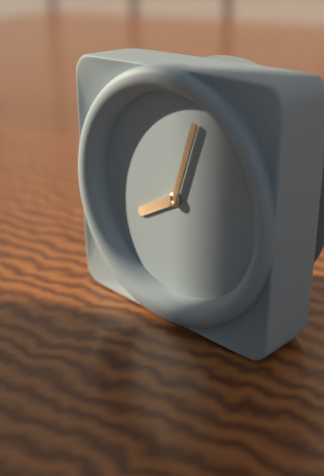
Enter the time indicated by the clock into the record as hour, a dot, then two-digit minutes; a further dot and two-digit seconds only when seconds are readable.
8.03
